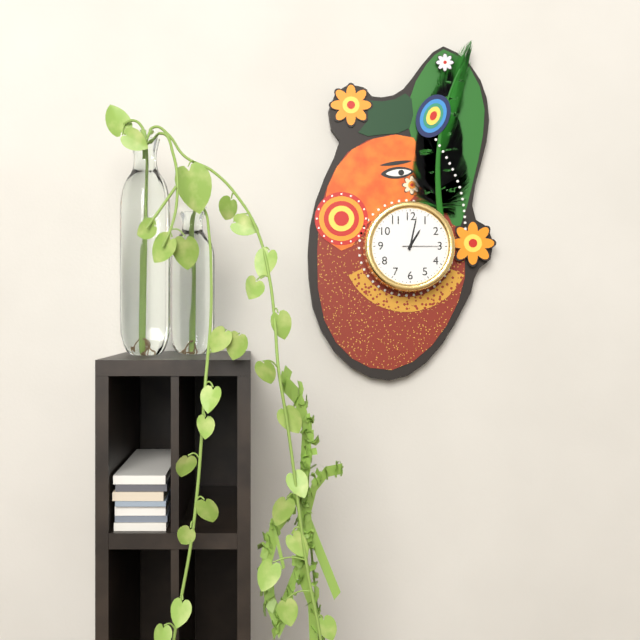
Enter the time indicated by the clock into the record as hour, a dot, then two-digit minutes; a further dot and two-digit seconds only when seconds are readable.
1.02
